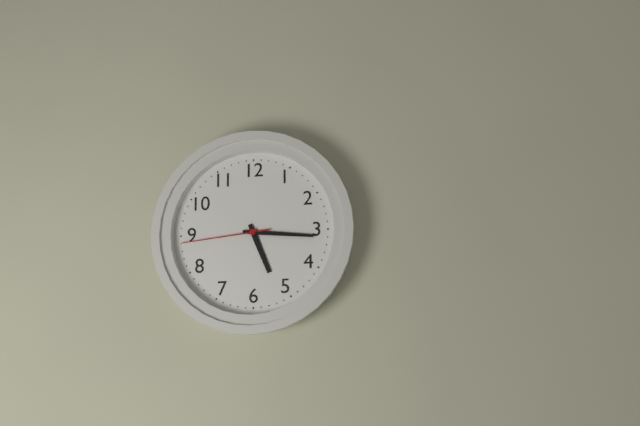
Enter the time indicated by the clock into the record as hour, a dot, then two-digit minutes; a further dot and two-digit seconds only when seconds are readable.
5.16.44
